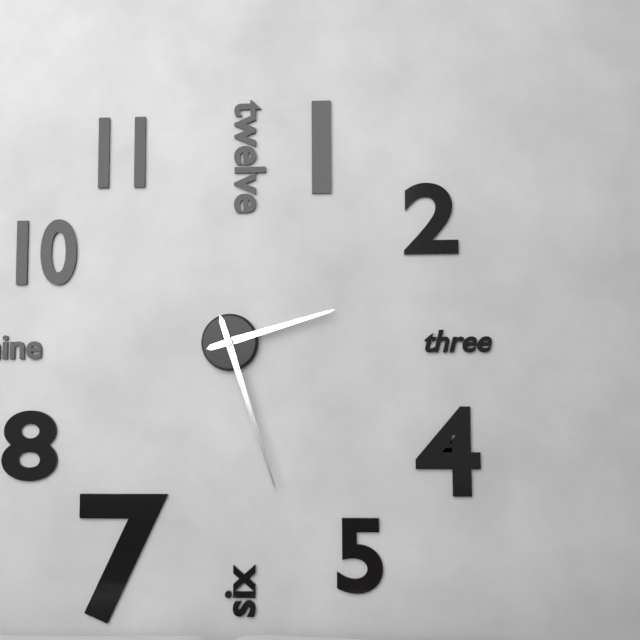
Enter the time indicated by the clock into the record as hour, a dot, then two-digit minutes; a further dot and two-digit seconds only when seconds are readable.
2.27
